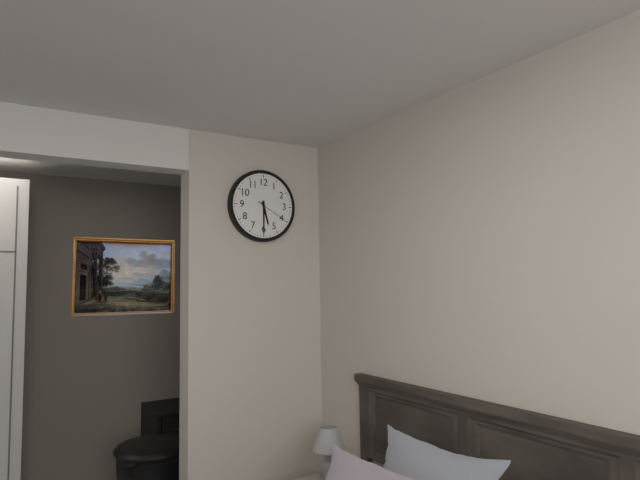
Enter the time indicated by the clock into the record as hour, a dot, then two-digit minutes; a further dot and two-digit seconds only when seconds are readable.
5.30
